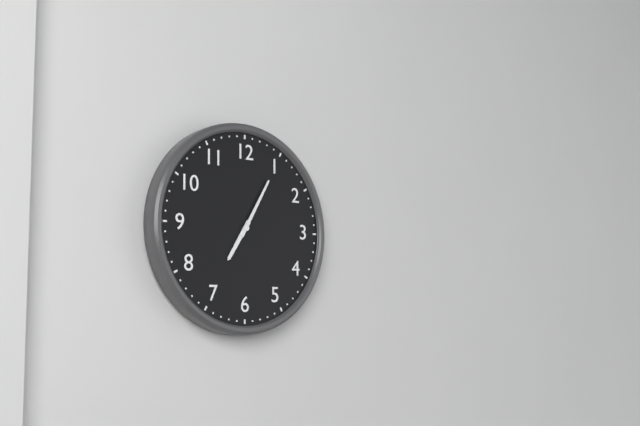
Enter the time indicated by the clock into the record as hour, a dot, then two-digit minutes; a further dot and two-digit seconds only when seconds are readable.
7.05
